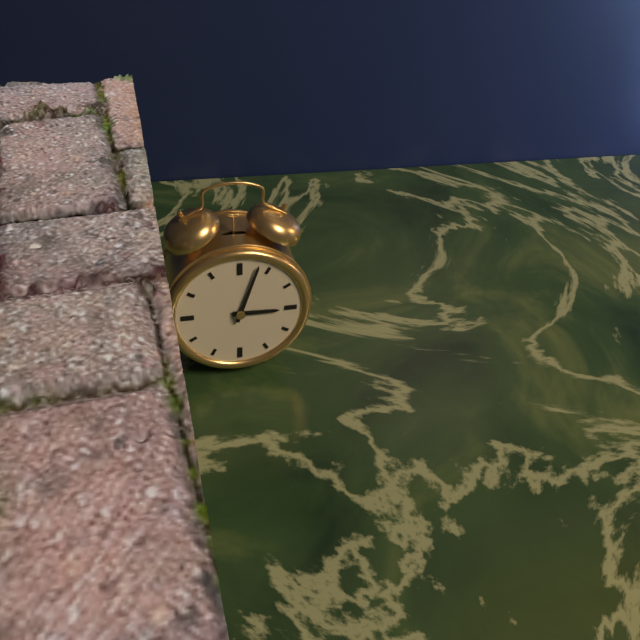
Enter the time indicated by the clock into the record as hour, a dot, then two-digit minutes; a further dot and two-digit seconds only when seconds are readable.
3.03
